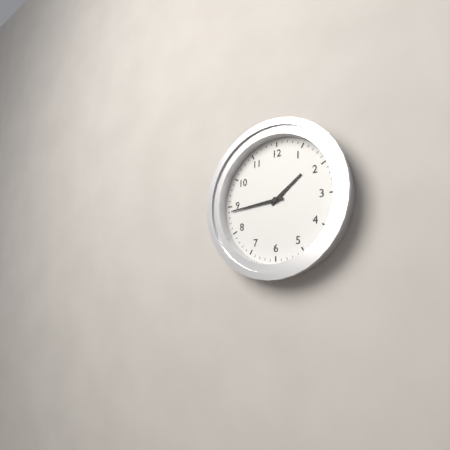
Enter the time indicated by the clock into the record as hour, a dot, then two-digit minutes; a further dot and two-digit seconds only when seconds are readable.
1.44
